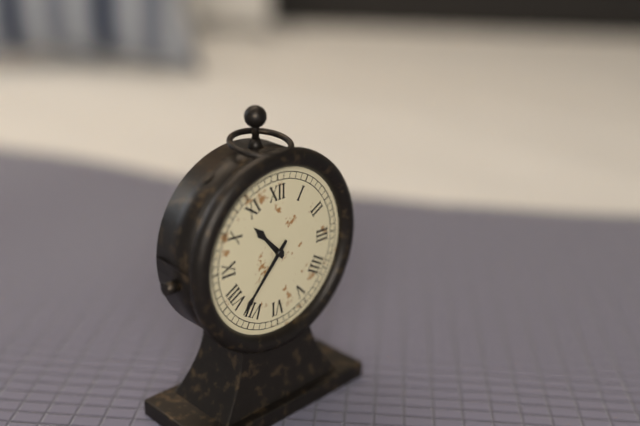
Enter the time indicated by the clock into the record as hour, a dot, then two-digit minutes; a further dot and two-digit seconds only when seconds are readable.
10.37
